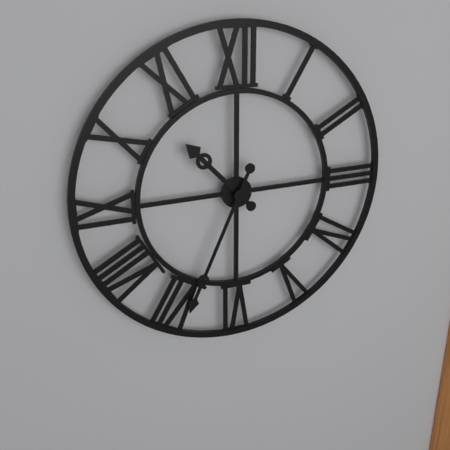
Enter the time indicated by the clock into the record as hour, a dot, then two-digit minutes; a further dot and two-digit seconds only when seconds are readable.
10.34
